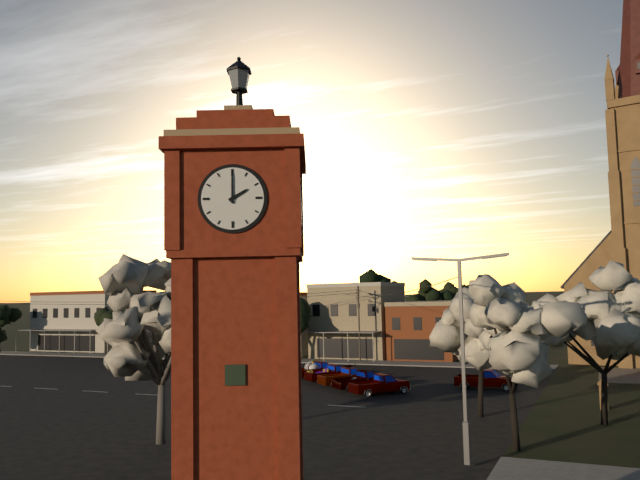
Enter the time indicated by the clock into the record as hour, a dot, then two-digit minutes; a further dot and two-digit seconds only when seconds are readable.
2.00
